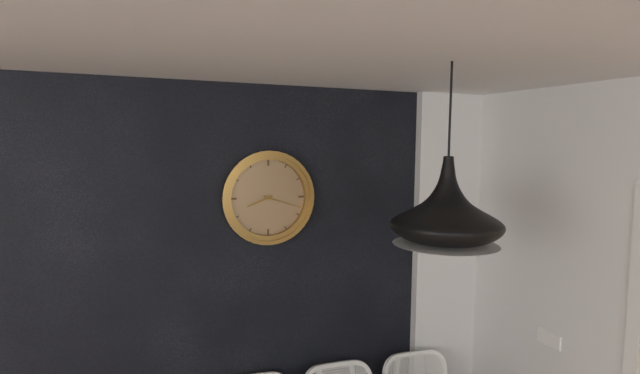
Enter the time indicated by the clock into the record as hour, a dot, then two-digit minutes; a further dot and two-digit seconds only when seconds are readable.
8.18
